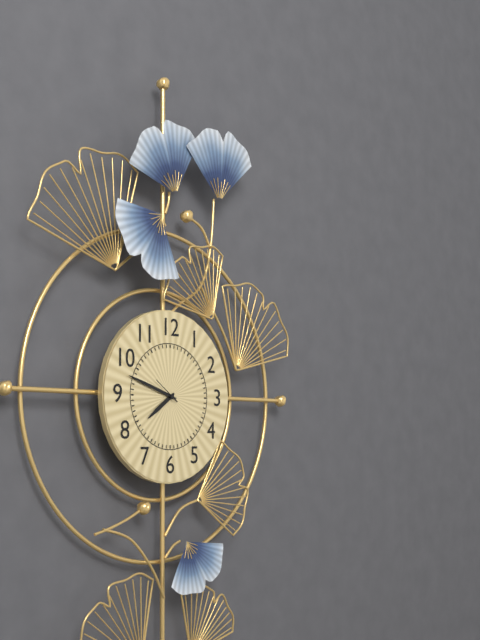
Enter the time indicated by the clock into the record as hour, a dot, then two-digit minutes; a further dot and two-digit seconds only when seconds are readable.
7.48
